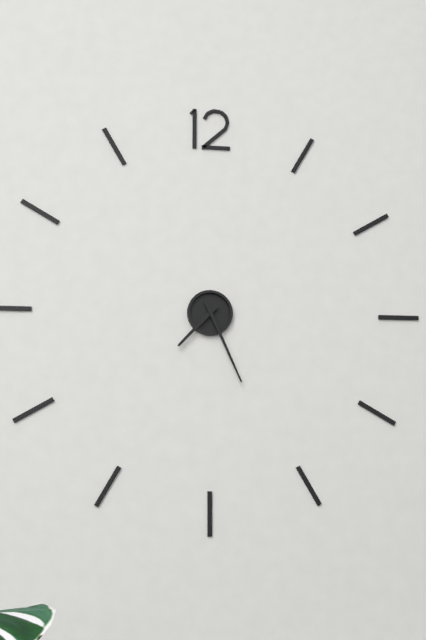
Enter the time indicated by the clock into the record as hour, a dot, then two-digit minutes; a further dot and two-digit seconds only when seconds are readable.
7.26
